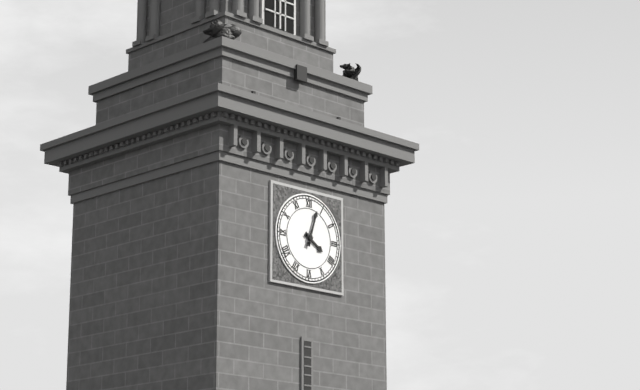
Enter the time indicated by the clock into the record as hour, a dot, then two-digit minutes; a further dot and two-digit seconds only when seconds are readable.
4.03
